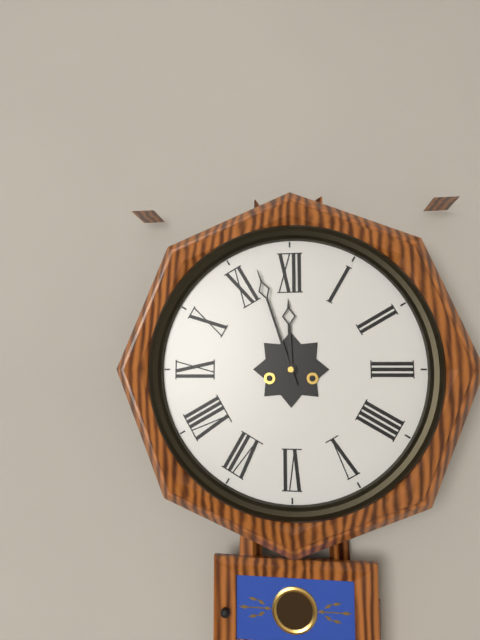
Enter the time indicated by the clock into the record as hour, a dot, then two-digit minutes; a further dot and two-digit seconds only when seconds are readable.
11.57
